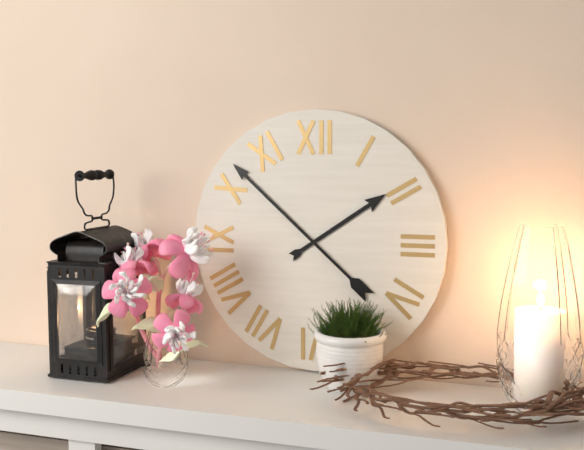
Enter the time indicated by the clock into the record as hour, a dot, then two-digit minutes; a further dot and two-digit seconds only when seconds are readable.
1.52
